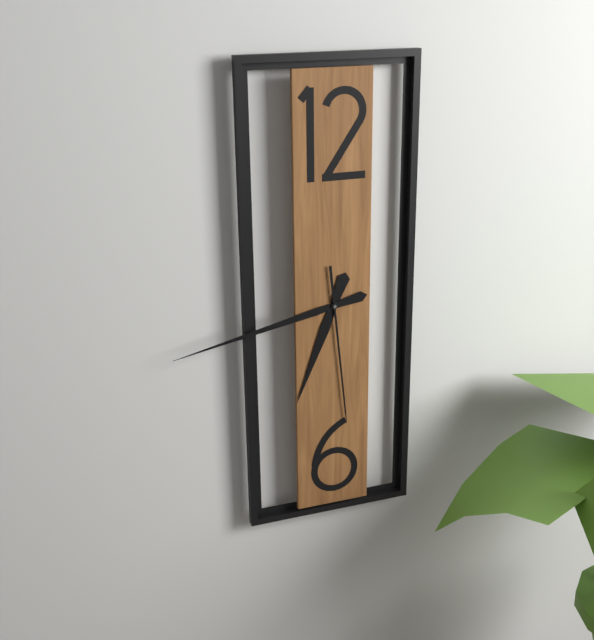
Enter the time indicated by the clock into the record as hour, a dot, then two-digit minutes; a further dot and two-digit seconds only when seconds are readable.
6.43.29
